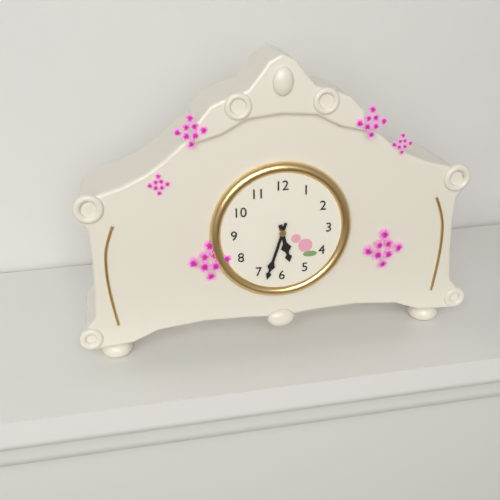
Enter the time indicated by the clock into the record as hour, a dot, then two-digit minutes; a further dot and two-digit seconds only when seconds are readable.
5.33
